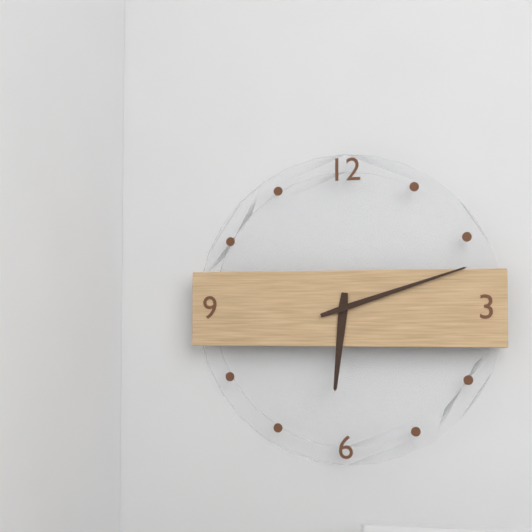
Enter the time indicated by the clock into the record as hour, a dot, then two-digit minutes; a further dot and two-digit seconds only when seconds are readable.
6.12
